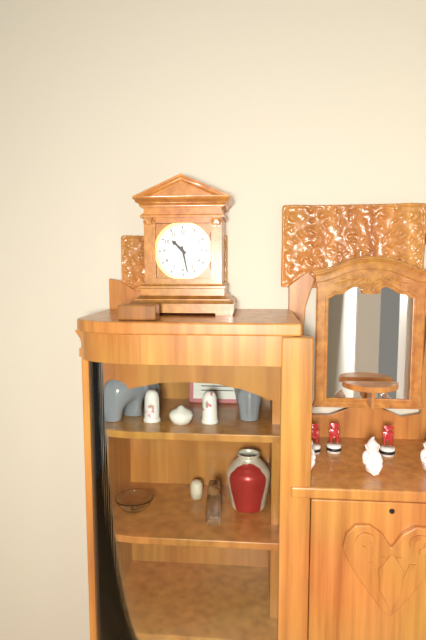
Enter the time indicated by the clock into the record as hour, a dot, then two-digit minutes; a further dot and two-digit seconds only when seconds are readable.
10.28
